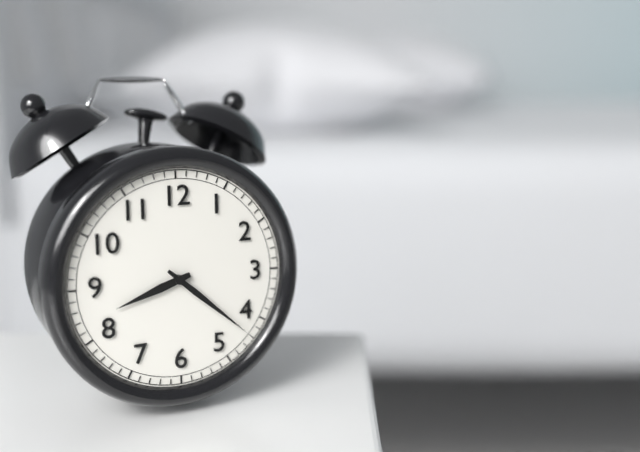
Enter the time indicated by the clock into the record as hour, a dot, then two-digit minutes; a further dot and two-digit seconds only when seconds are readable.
8.22
